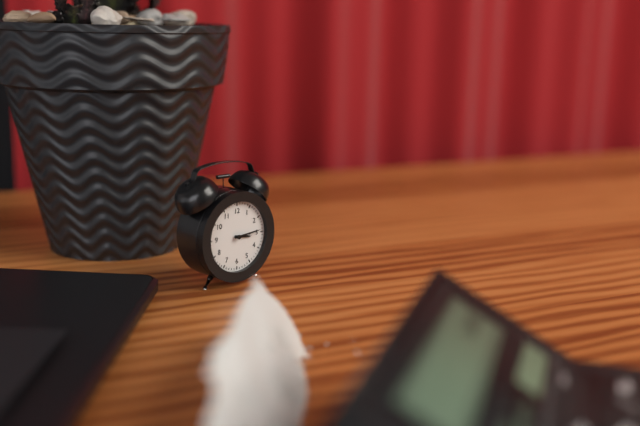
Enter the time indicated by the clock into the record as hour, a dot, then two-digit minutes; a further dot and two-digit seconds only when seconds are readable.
3.14
